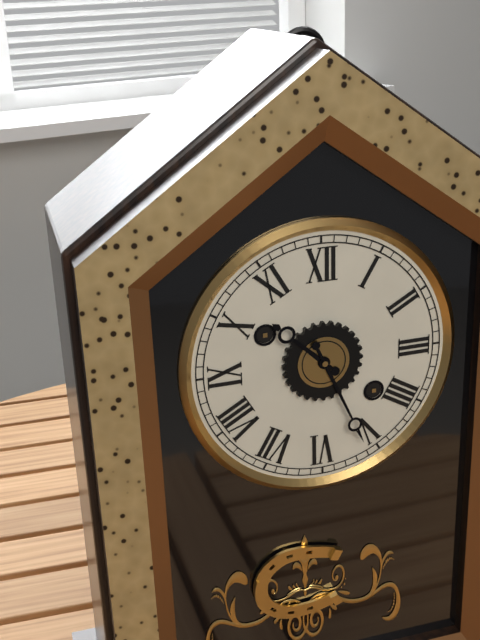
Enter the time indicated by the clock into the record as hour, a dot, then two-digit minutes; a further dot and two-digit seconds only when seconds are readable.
10.26
